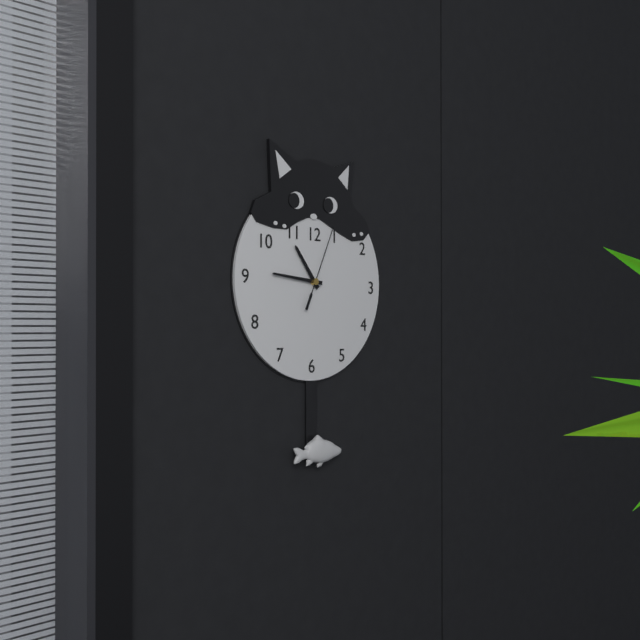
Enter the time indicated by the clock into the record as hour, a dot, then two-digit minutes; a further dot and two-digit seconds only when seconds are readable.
10.46.04
